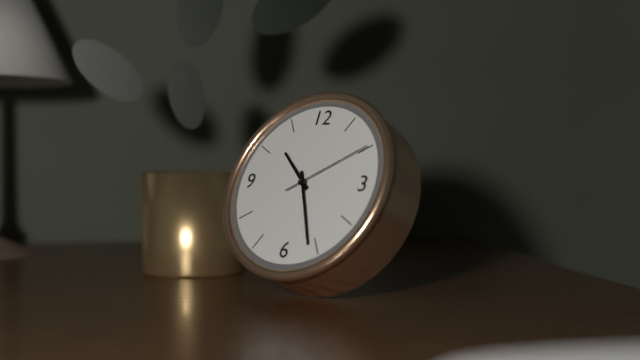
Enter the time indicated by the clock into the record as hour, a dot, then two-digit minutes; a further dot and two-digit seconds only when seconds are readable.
10.26.10
